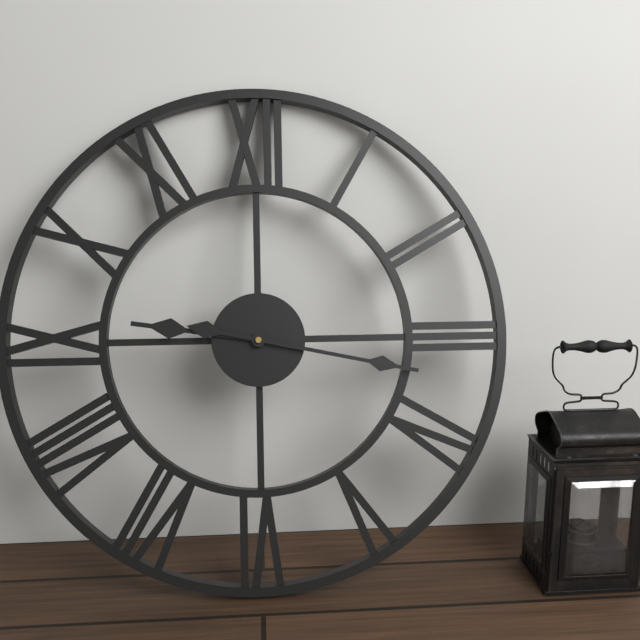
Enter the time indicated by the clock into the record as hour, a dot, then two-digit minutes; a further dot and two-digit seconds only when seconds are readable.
9.17
